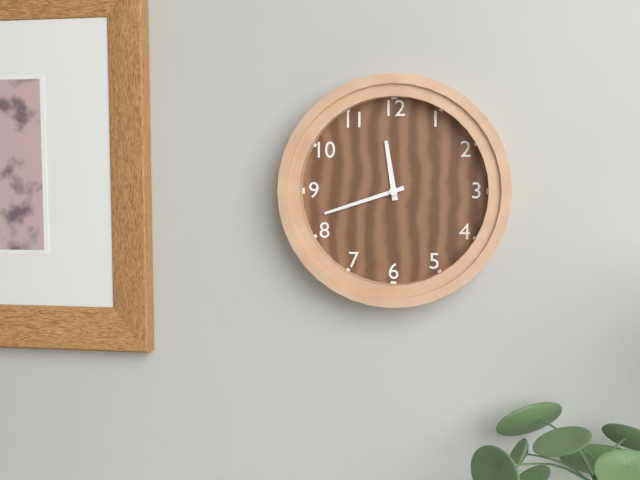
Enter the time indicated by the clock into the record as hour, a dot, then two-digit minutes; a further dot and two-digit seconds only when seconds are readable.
11.42
